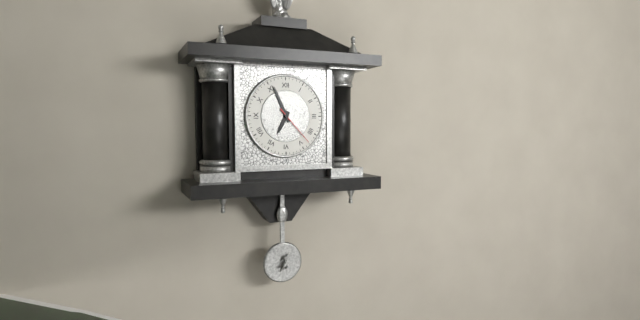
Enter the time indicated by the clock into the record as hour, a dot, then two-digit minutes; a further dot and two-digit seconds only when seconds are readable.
6.56.23
